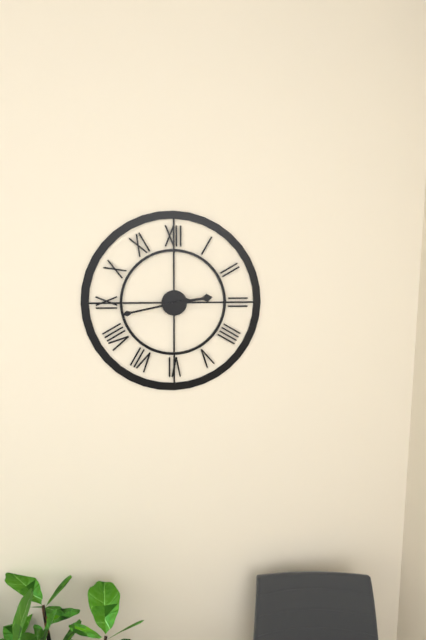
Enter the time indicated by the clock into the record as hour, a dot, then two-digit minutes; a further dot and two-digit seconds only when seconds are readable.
2.43
